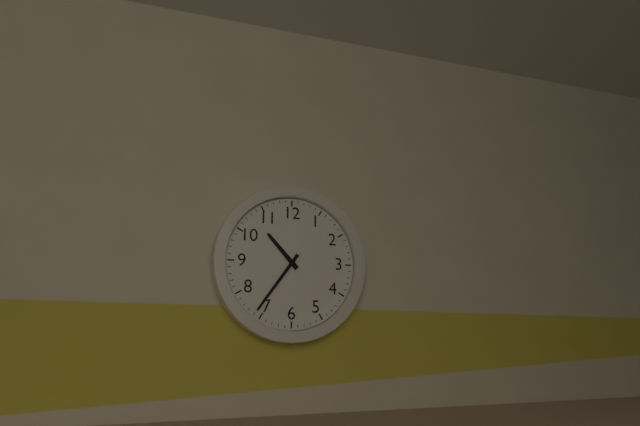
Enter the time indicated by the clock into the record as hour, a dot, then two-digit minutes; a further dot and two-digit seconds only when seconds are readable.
10.36
